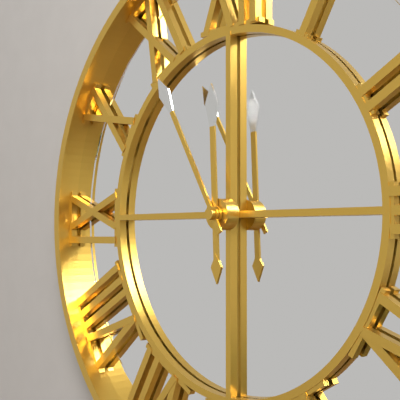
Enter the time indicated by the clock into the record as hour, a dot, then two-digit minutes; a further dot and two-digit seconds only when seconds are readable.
11.55
